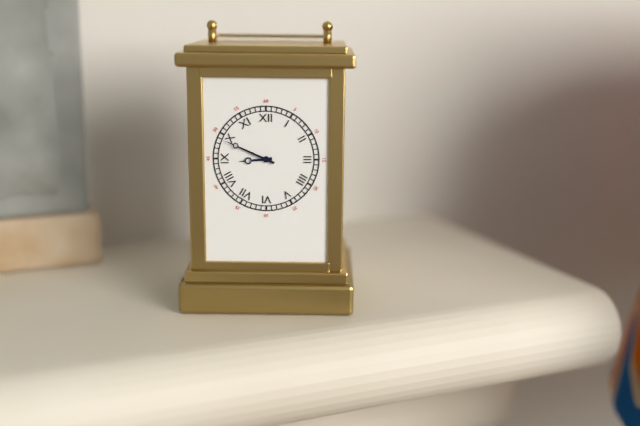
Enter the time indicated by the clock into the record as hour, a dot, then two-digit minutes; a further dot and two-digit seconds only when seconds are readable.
8.49
